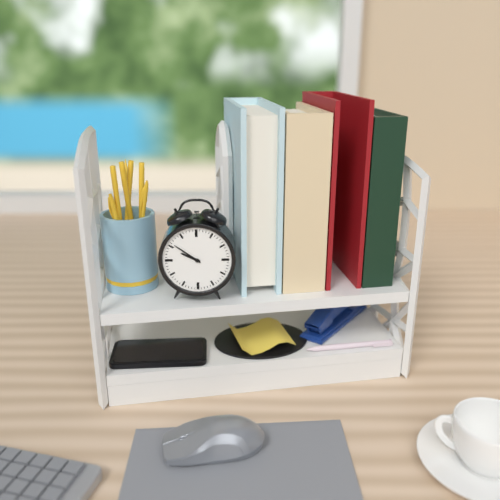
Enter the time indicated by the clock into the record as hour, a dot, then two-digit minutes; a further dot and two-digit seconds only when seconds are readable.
9.51
